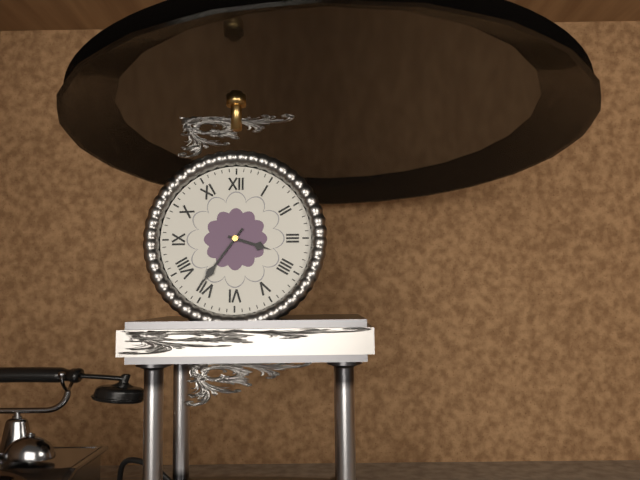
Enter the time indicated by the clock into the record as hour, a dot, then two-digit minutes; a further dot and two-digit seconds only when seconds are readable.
3.36
